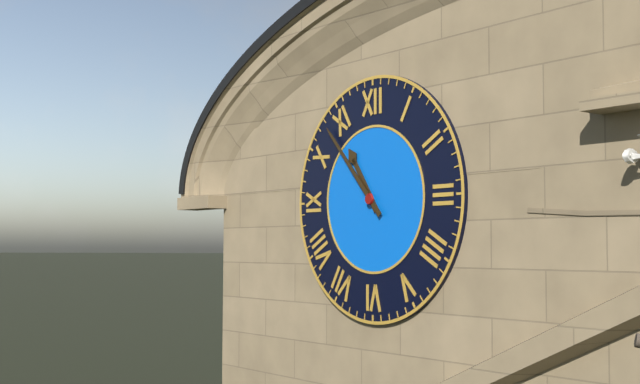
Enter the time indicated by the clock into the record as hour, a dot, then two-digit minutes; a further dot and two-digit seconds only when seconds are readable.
10.53
